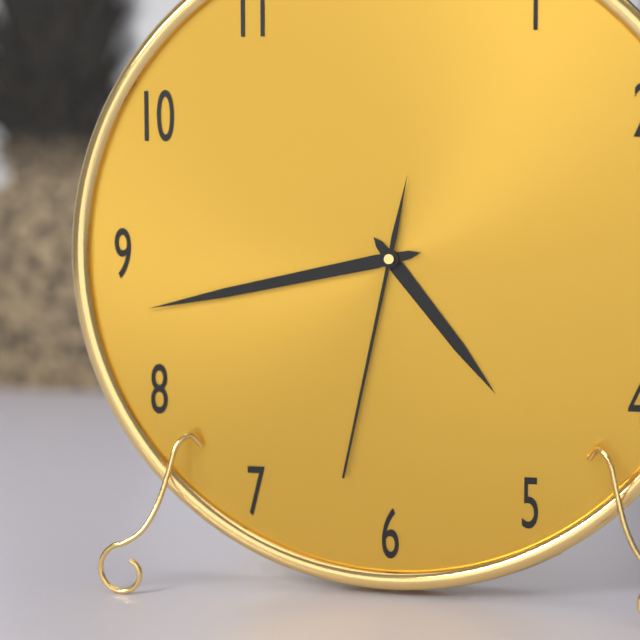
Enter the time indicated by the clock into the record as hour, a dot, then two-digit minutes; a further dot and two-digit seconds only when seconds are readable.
4.43.32
